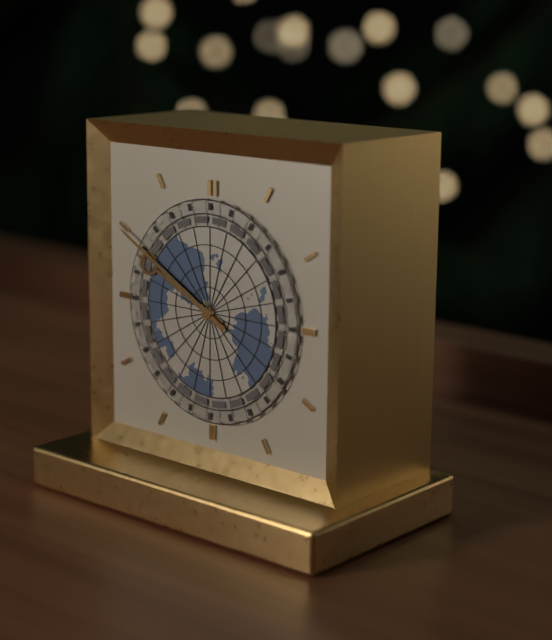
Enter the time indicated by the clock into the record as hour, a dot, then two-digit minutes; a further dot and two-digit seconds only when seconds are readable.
9.50
